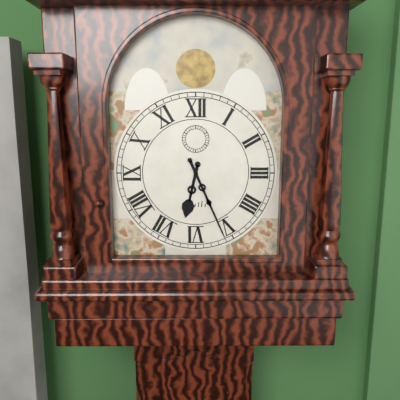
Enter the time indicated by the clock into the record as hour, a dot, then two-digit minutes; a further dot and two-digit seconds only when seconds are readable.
6.26
